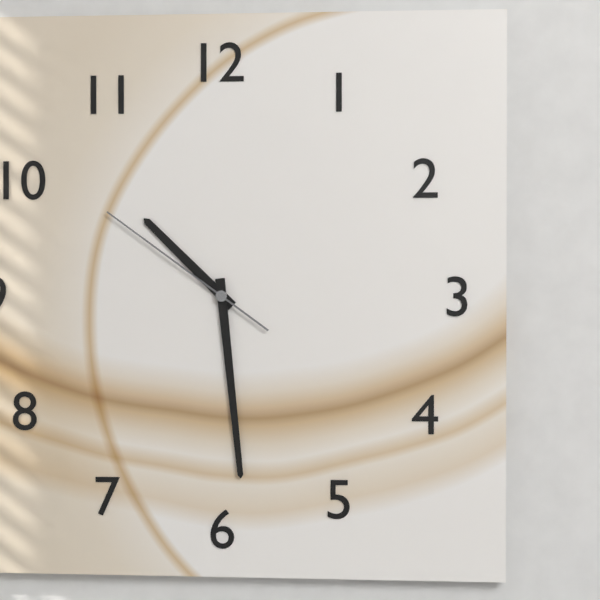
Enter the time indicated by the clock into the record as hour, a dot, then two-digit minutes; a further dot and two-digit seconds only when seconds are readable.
10.29.51
